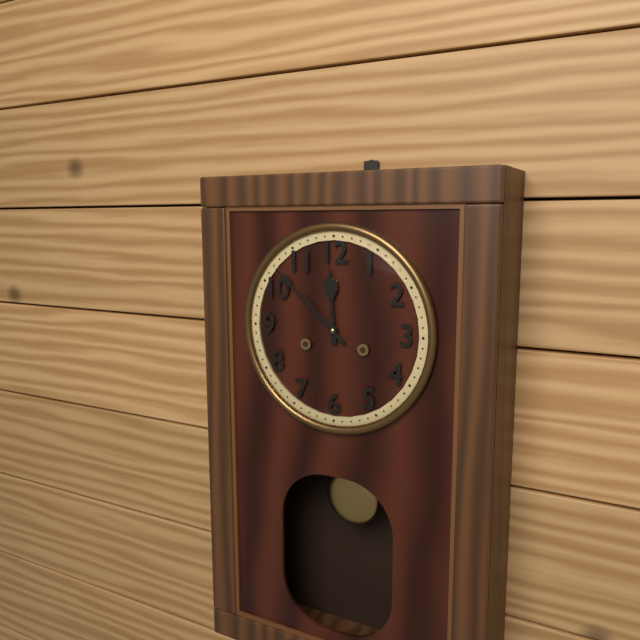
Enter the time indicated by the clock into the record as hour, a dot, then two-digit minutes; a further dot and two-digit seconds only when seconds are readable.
11.52
